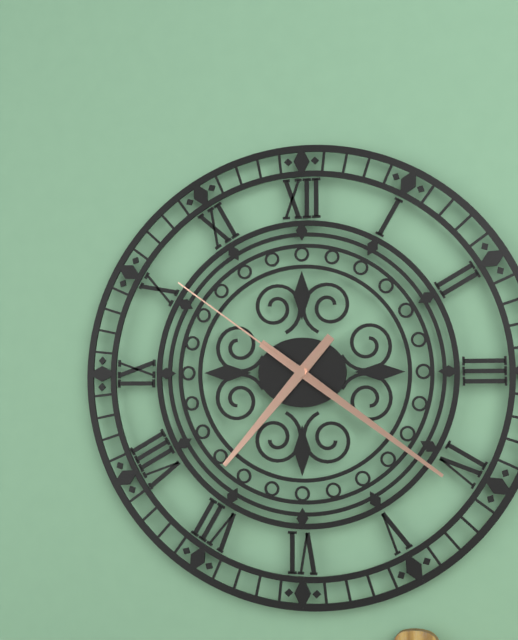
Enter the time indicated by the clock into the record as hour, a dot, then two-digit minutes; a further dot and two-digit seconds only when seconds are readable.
7.21.51
